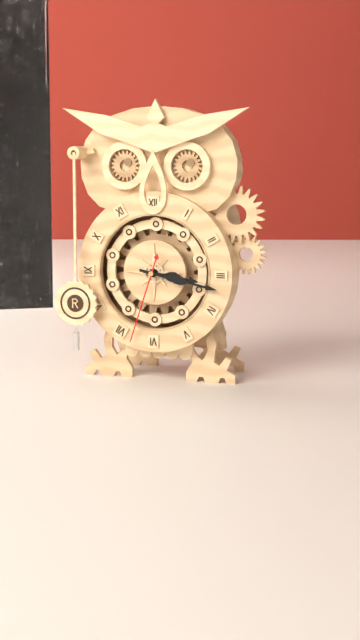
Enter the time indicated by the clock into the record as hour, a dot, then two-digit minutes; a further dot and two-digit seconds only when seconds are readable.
3.17.33
